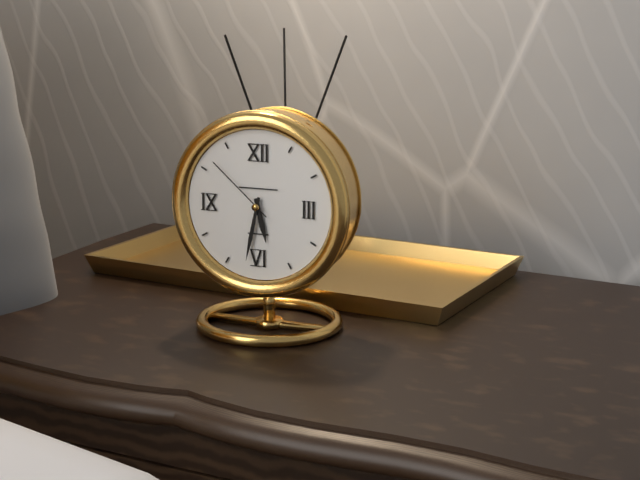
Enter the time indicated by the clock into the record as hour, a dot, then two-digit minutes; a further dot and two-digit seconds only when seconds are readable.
5.32.52
